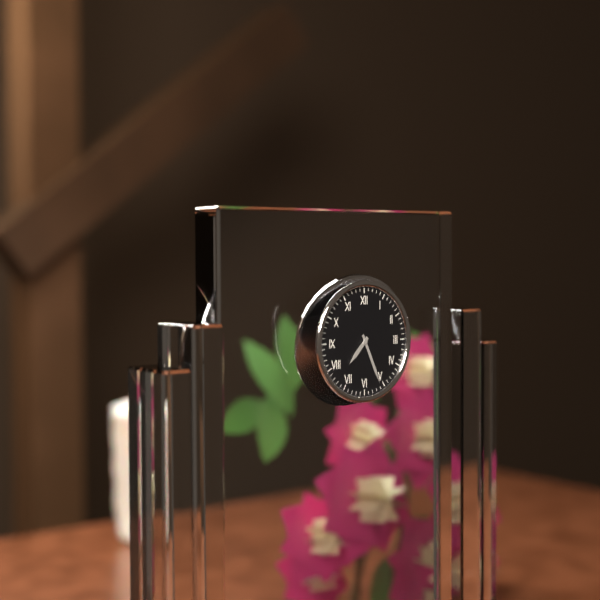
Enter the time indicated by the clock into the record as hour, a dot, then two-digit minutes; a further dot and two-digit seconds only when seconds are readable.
7.26
